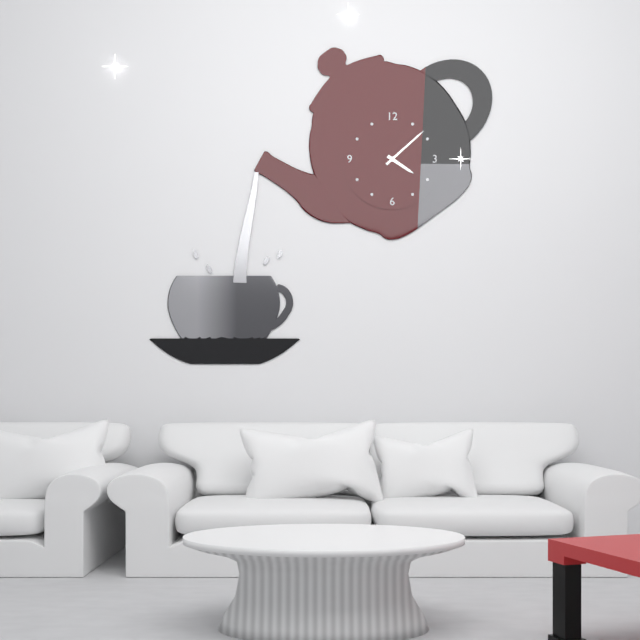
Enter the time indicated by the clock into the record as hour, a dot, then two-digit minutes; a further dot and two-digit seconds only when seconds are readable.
4.08
